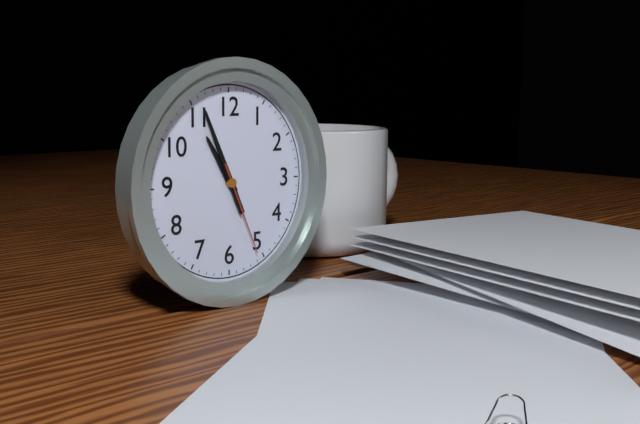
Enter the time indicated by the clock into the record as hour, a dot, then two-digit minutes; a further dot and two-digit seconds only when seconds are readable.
10.56.26
